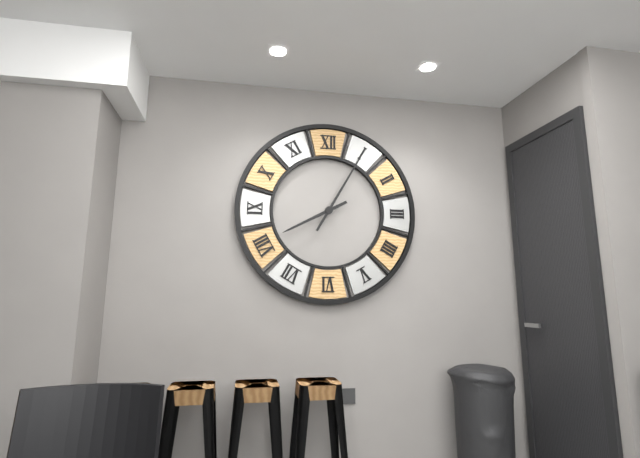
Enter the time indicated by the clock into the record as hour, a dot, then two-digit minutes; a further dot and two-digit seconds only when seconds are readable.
8.05
